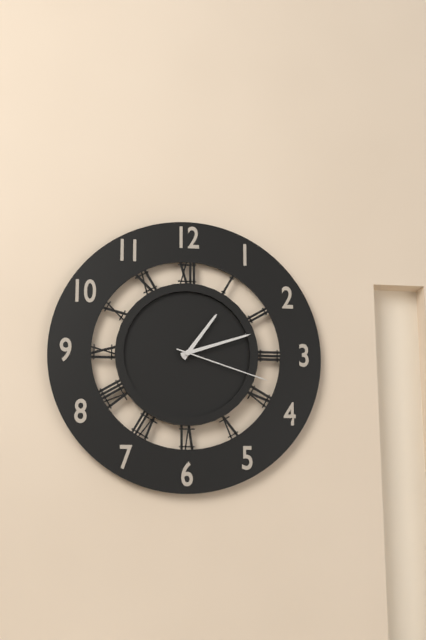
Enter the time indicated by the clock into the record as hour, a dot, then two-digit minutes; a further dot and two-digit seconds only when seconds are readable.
1.12.18
